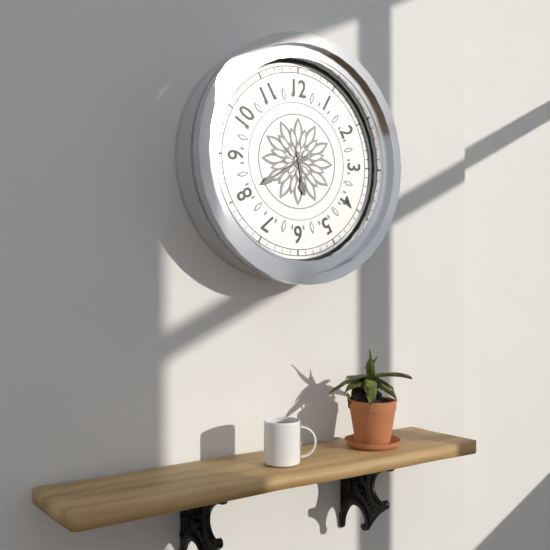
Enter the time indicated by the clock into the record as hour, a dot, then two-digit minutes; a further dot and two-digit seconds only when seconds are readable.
5.40
